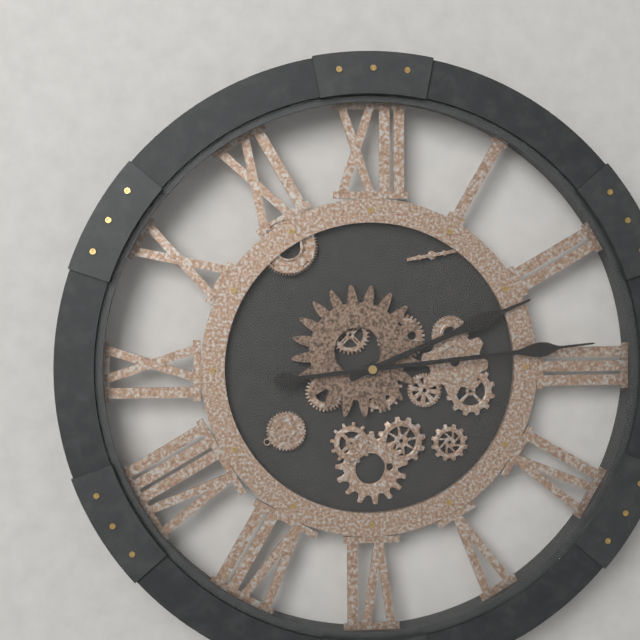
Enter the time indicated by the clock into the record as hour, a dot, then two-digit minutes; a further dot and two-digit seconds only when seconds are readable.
2.14
